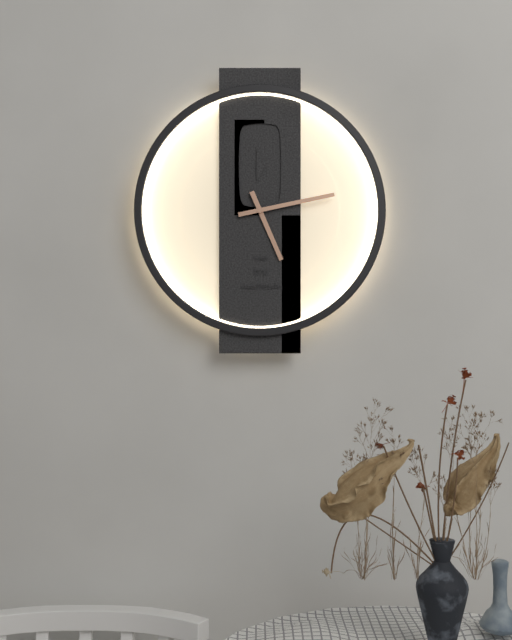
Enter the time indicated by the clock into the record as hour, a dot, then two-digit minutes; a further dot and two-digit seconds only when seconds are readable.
5.13
